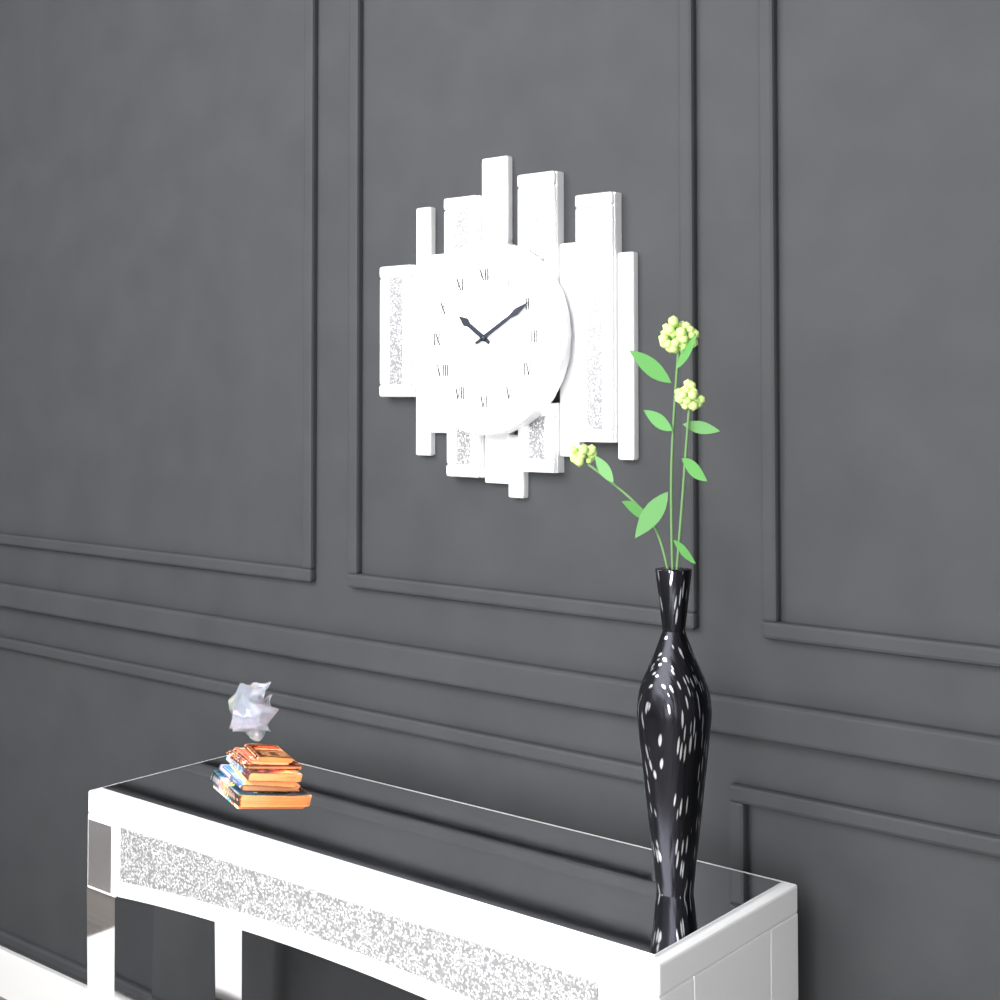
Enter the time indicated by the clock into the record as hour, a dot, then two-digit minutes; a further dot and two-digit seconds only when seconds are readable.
10.10
